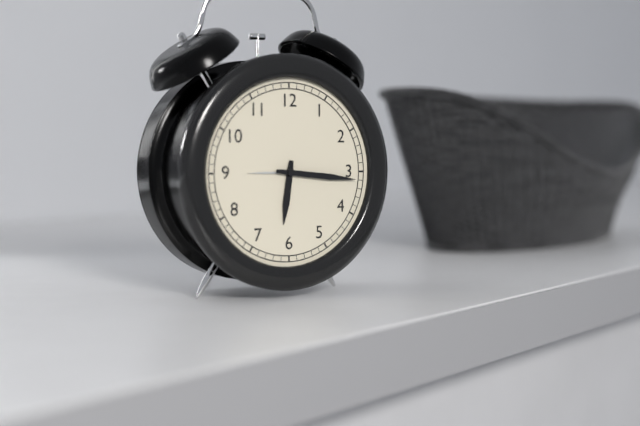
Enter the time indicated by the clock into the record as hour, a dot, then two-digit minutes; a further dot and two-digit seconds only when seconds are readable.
6.16
